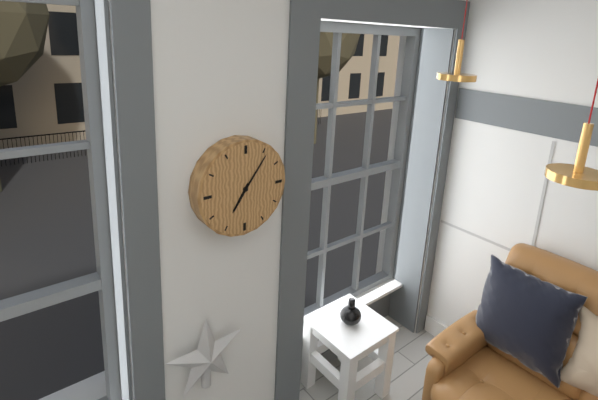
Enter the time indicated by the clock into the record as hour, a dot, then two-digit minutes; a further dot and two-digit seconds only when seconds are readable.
7.06
